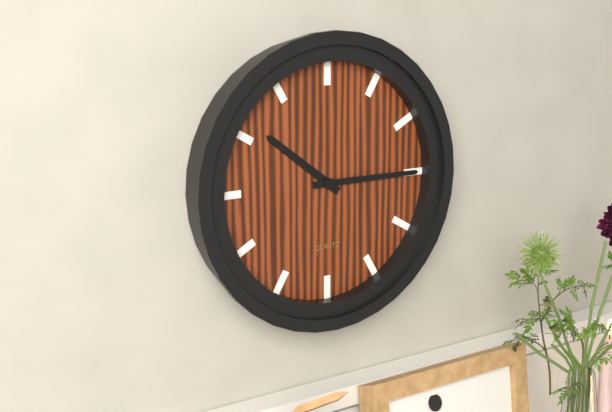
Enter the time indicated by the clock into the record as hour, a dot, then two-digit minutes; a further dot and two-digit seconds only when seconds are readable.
10.15
